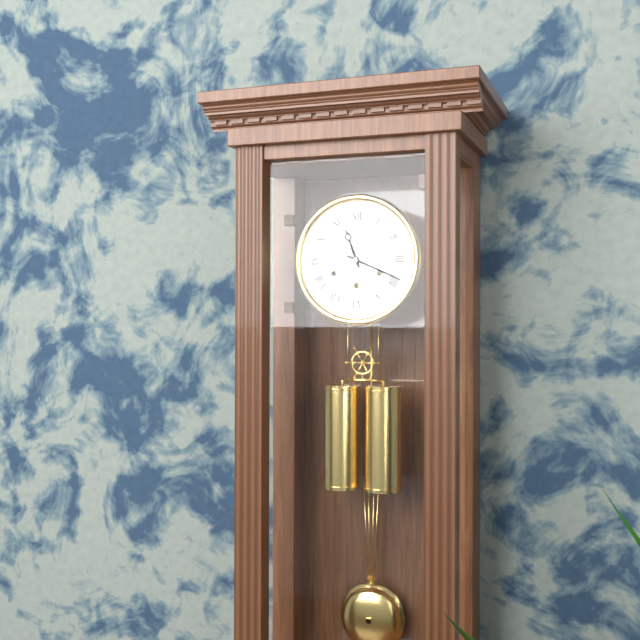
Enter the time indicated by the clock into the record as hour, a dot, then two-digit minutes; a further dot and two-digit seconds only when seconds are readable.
11.19
